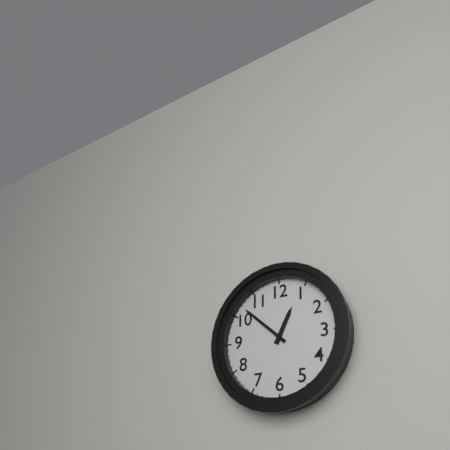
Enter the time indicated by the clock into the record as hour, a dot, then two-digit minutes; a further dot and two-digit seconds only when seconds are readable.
12.52
